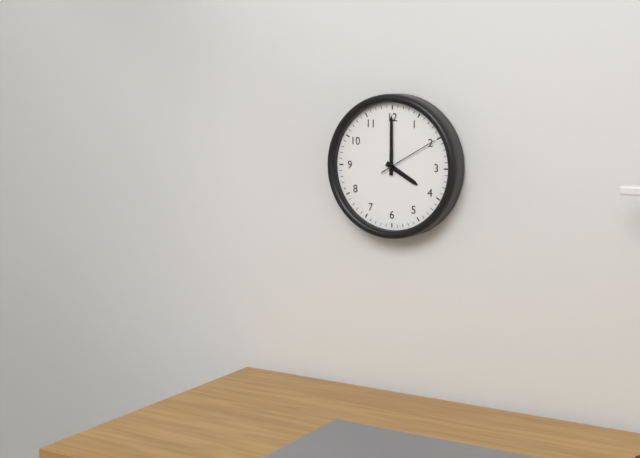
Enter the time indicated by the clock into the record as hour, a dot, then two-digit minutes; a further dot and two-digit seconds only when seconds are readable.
4.00.10
